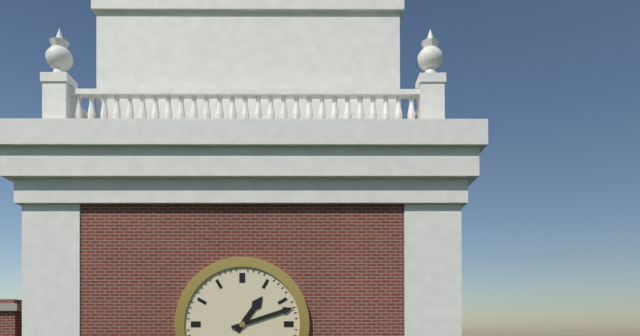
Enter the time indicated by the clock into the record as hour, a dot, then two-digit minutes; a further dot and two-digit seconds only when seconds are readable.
1.12
